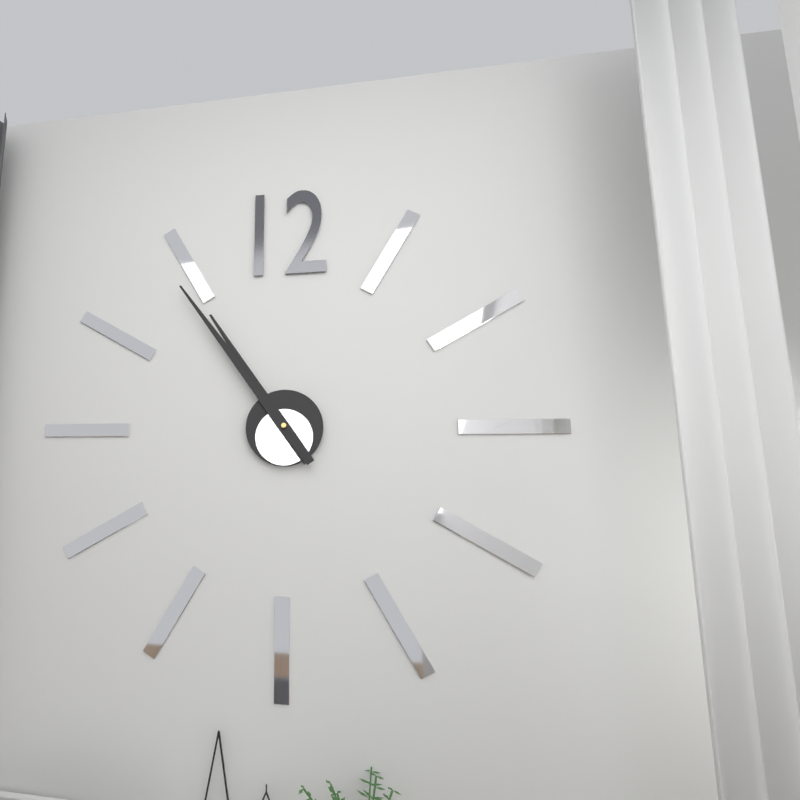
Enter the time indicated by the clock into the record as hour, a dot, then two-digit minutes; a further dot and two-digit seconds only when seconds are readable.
10.54
